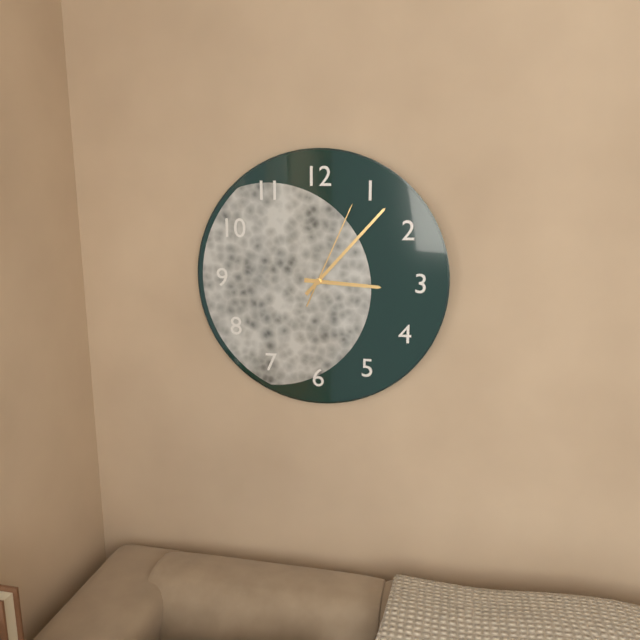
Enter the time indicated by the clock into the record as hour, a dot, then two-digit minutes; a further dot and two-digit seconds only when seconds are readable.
3.07.04
